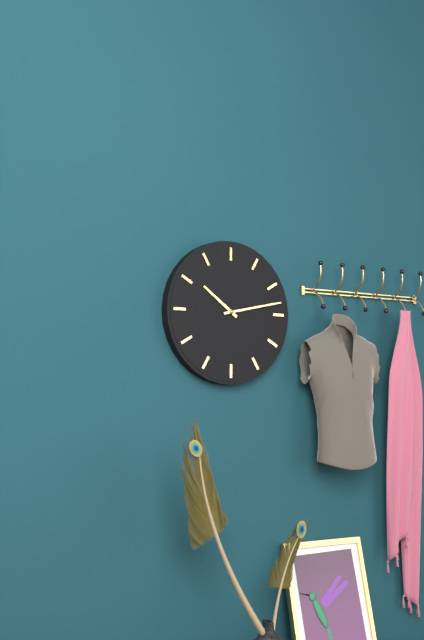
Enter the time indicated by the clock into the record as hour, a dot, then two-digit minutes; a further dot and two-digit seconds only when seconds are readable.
10.13
